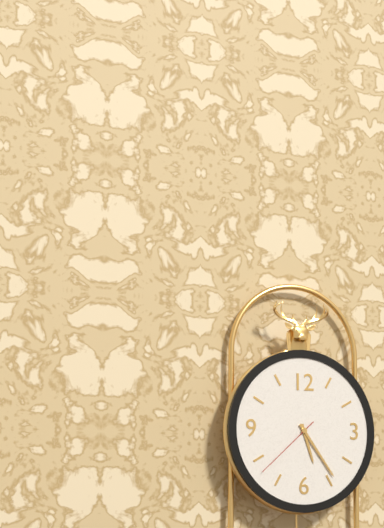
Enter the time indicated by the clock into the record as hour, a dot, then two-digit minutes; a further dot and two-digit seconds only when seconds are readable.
5.24.38
